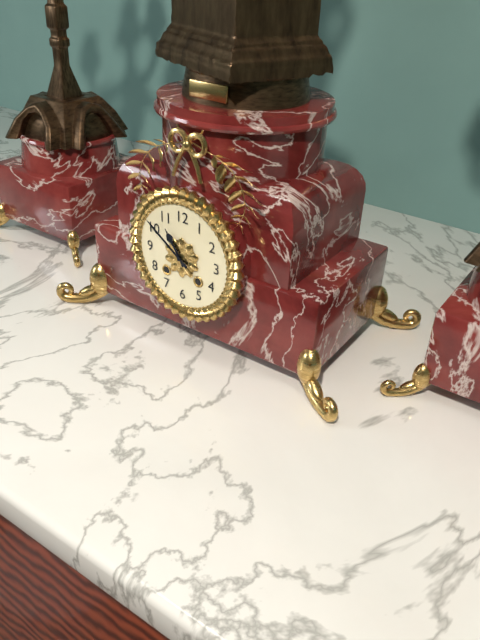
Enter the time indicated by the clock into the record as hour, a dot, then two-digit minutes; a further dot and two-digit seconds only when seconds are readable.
10.51
